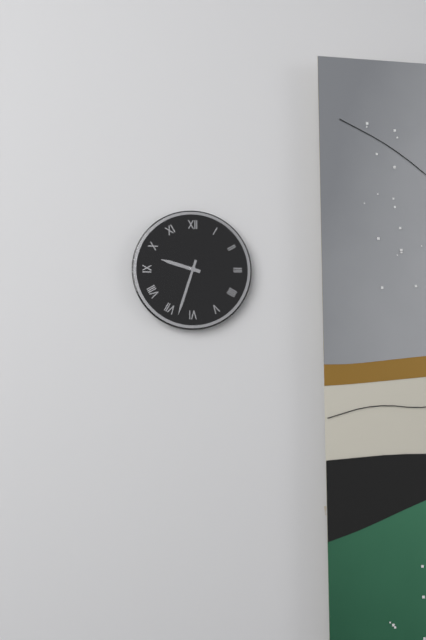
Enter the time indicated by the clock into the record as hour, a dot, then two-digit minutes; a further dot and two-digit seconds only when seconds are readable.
9.33
